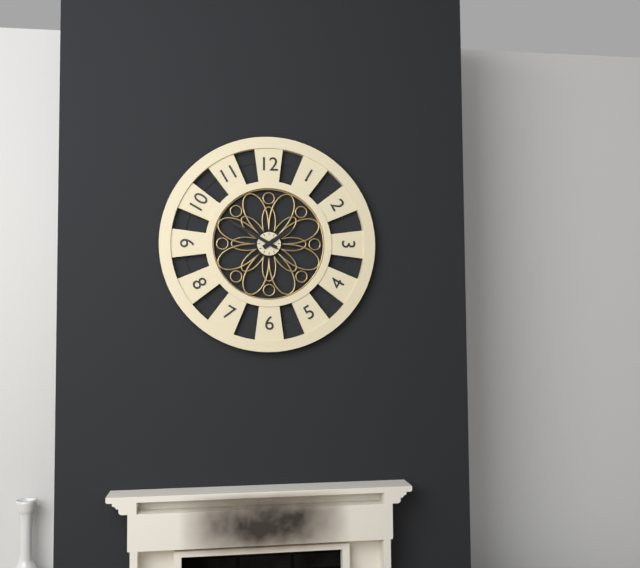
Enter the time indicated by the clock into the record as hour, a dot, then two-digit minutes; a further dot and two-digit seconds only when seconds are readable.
1.50
